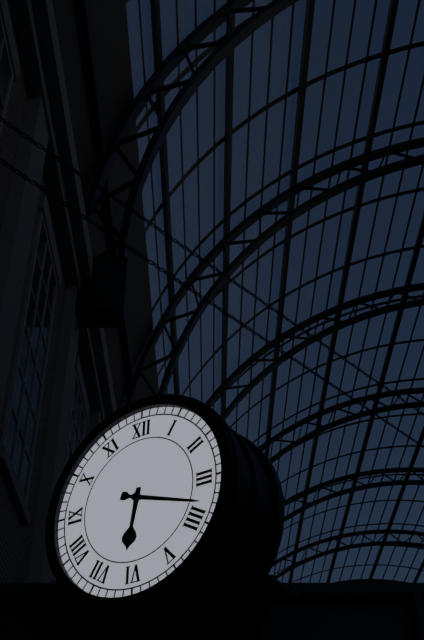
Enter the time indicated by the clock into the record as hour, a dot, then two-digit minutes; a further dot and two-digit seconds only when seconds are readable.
6.18
